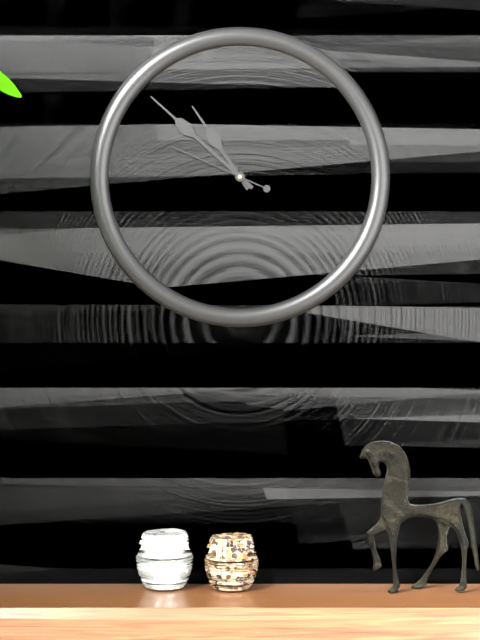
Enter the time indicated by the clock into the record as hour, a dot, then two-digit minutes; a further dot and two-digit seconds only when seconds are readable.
10.52.49
